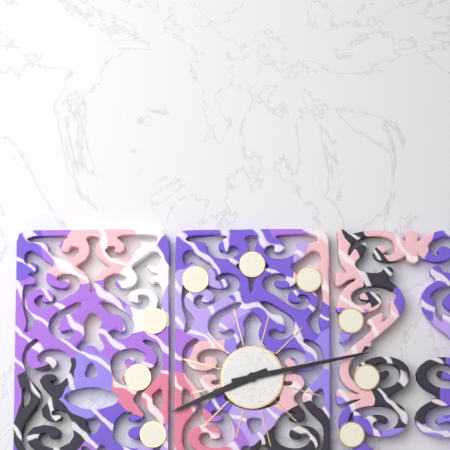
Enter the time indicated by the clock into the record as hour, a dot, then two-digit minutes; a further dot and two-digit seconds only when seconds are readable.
8.13
